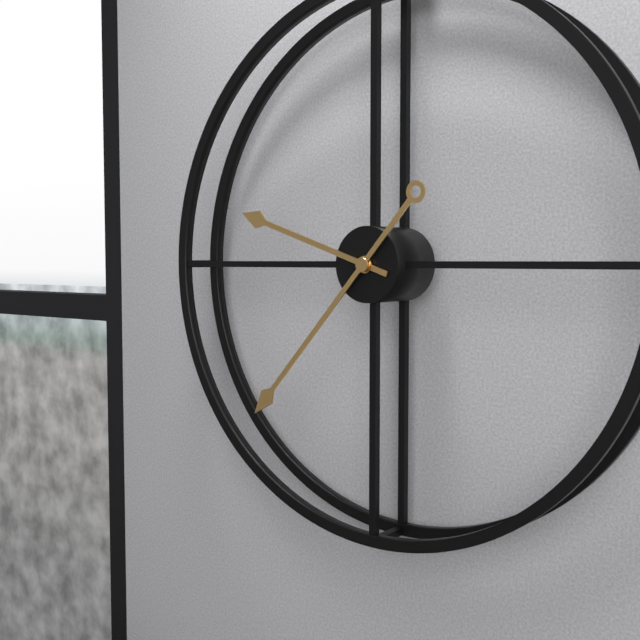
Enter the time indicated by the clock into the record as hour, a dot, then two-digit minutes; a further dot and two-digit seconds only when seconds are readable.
9.37
